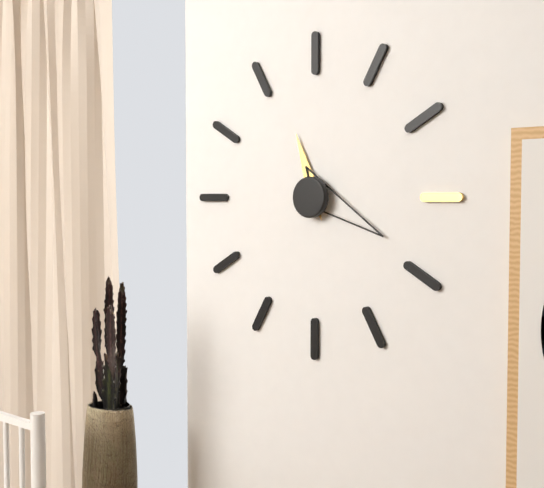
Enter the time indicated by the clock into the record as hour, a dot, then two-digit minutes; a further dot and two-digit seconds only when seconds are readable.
11.19
